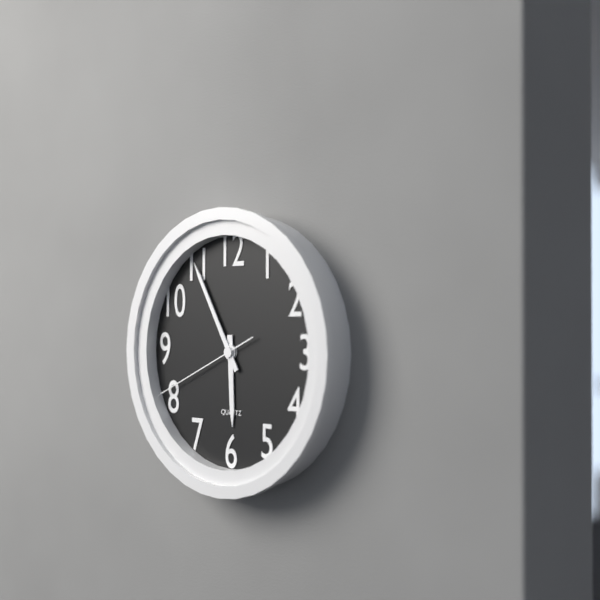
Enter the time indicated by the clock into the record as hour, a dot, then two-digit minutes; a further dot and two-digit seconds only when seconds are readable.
5.55.41
